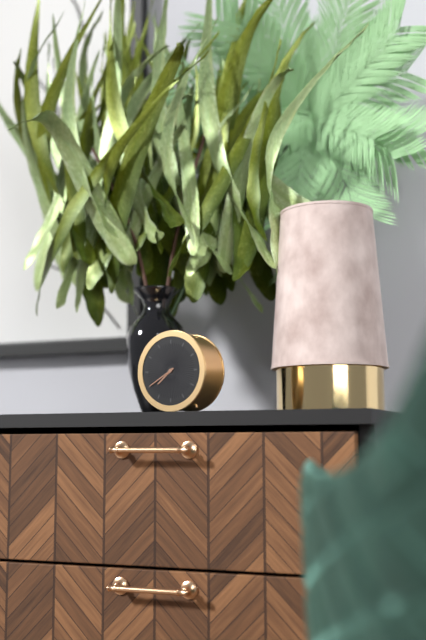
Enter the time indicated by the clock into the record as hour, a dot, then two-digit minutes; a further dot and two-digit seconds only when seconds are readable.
7.40
